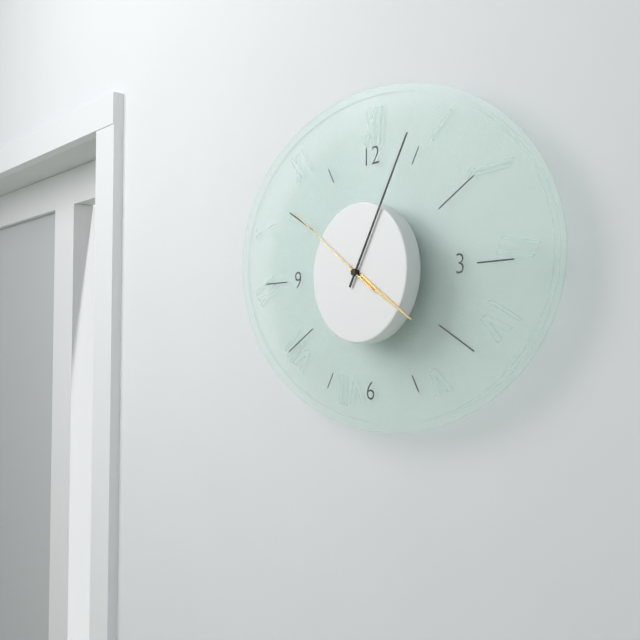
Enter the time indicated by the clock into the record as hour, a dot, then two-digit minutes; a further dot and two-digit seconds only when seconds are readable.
4.05.51
